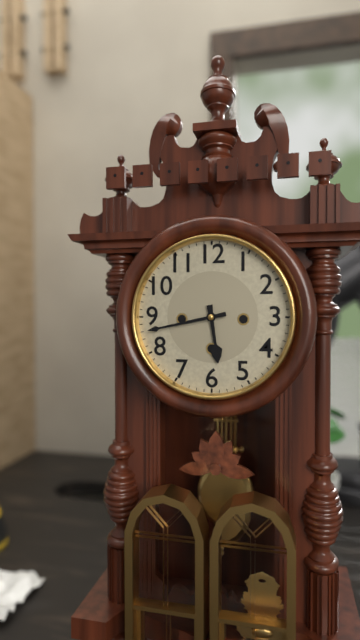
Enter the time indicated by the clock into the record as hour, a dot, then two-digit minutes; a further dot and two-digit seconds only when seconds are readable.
5.43
